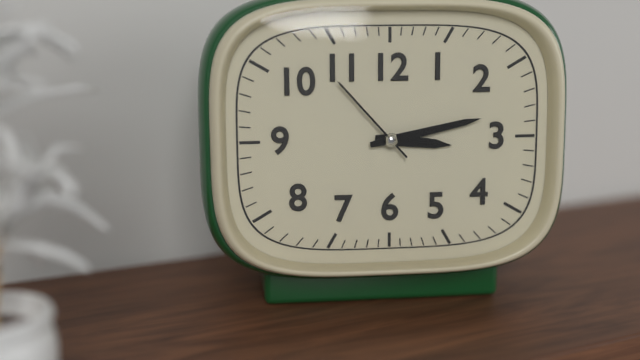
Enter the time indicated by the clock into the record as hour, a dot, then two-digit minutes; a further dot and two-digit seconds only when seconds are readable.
3.13.53
